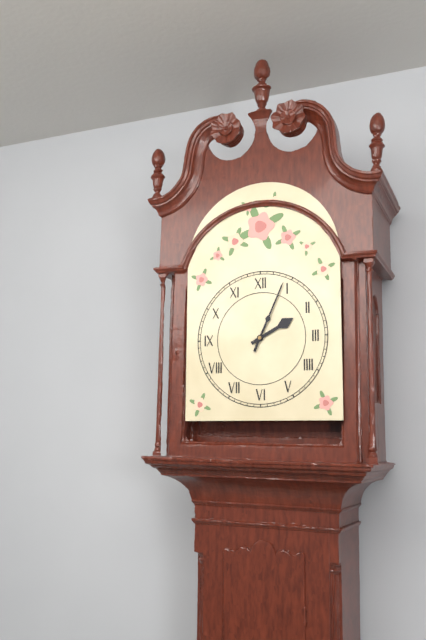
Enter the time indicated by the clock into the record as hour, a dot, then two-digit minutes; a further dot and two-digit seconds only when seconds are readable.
2.04
